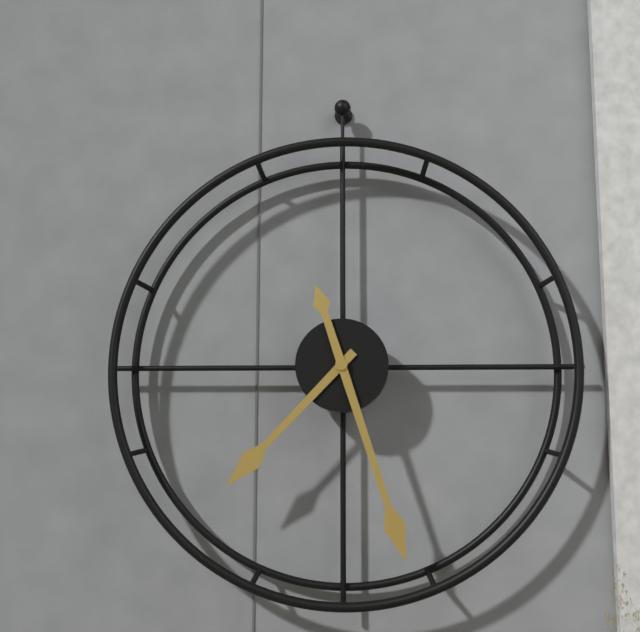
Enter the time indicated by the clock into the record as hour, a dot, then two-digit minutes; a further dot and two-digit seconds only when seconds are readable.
7.27
